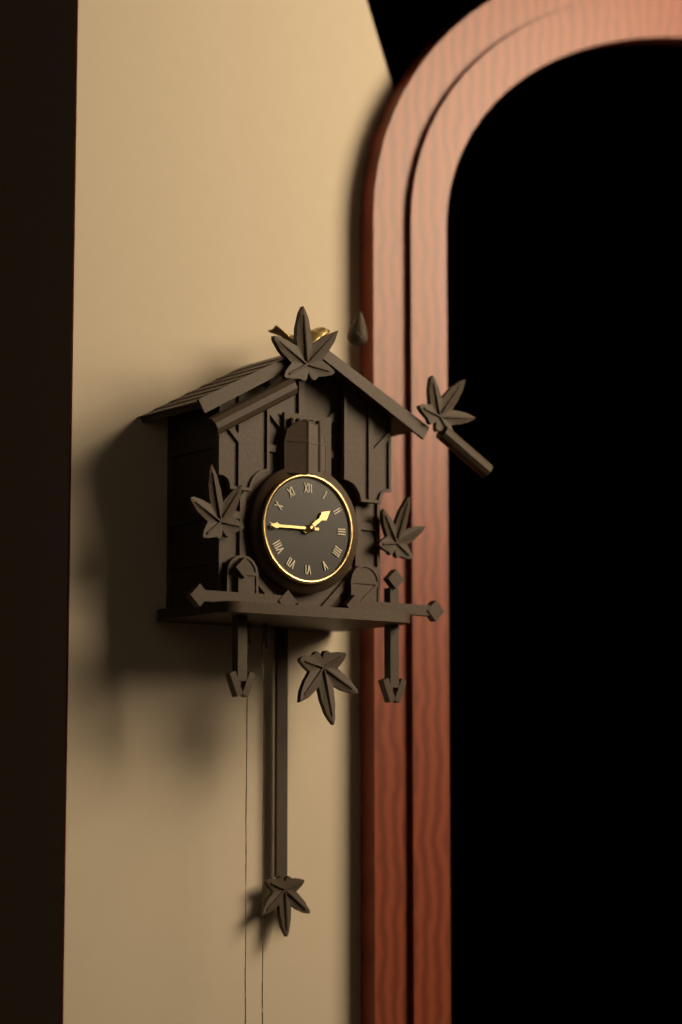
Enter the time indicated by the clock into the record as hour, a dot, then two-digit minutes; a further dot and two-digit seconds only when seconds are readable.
1.45
